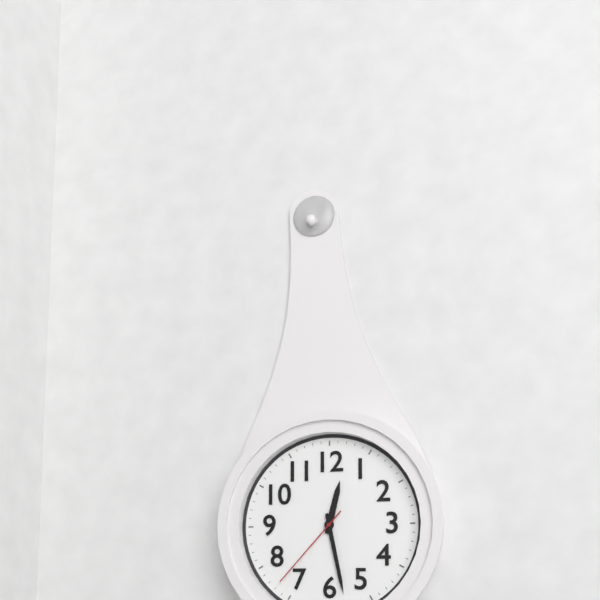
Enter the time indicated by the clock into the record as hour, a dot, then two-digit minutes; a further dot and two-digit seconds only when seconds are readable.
12.28.37
